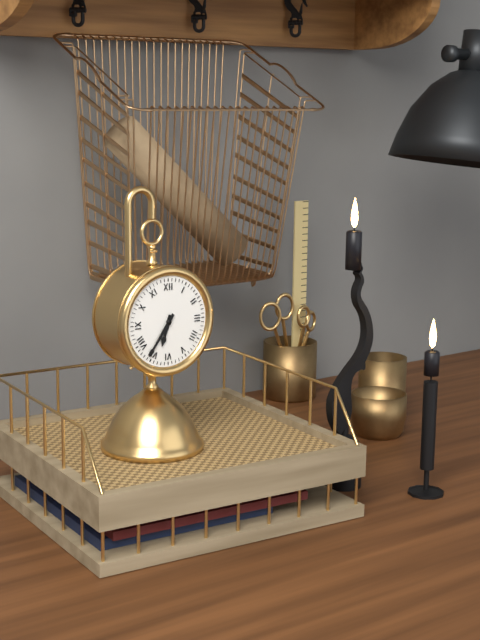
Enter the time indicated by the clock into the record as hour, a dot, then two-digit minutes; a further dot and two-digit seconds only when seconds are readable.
6.36
